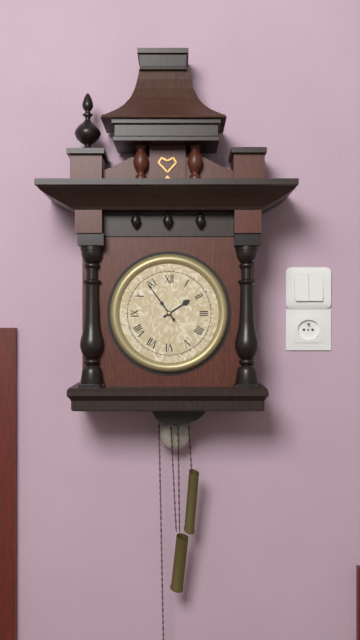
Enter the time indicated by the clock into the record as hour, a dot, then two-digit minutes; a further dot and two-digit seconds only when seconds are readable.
1.54
